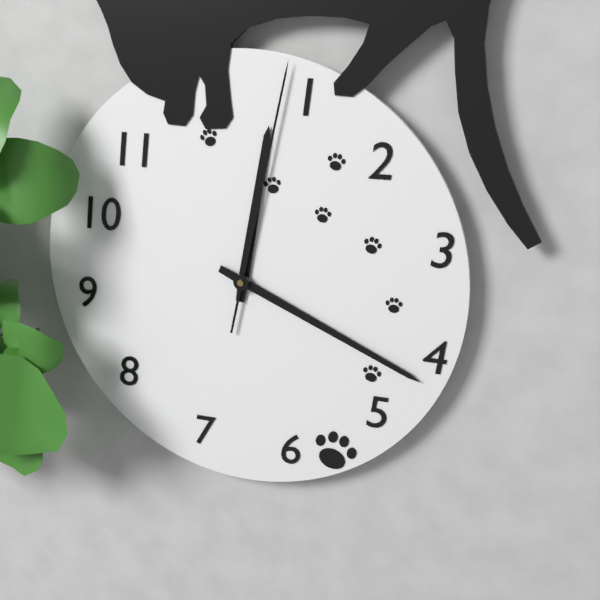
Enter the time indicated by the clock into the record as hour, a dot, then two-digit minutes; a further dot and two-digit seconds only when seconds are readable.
12.19.02
